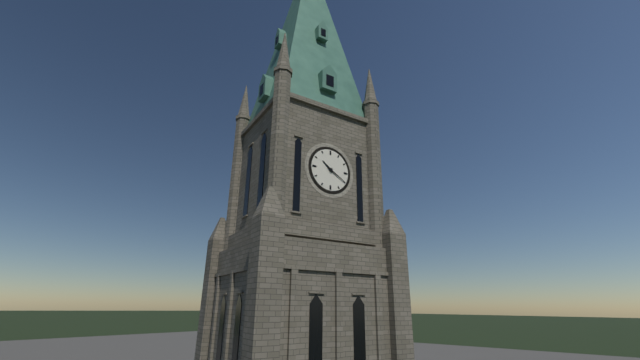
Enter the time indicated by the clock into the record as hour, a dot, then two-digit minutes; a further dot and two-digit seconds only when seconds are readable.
10.20
